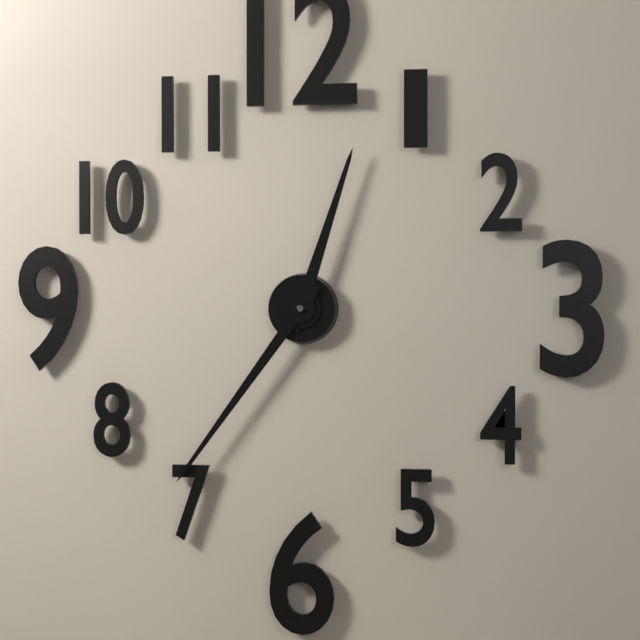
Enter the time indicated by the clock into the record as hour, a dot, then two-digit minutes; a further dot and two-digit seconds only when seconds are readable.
12.36
